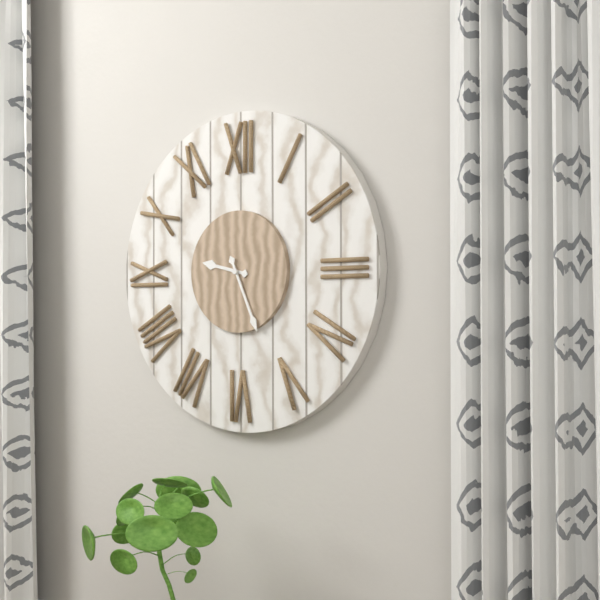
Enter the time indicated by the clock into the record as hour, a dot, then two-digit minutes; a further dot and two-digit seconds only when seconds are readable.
9.26
